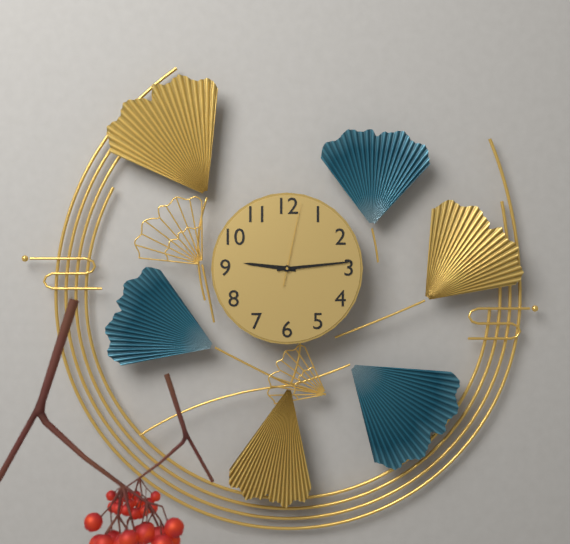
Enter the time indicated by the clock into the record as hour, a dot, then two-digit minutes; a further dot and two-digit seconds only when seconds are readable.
9.14.02
